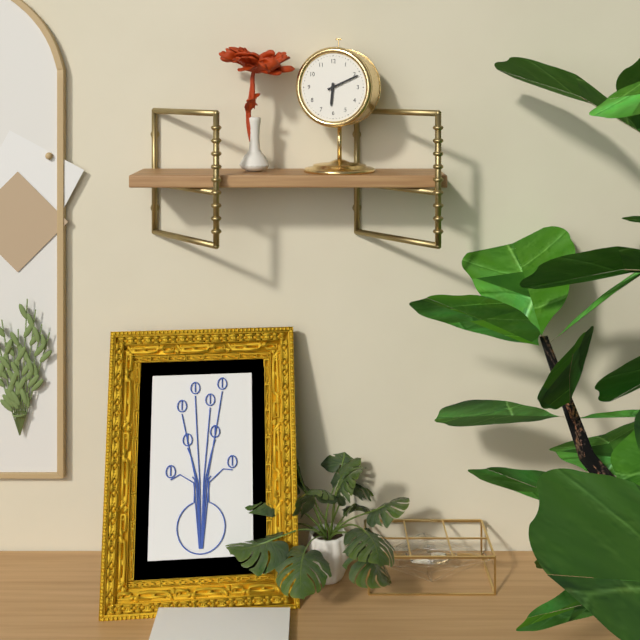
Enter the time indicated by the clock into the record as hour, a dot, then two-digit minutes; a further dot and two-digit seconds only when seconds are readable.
6.11
